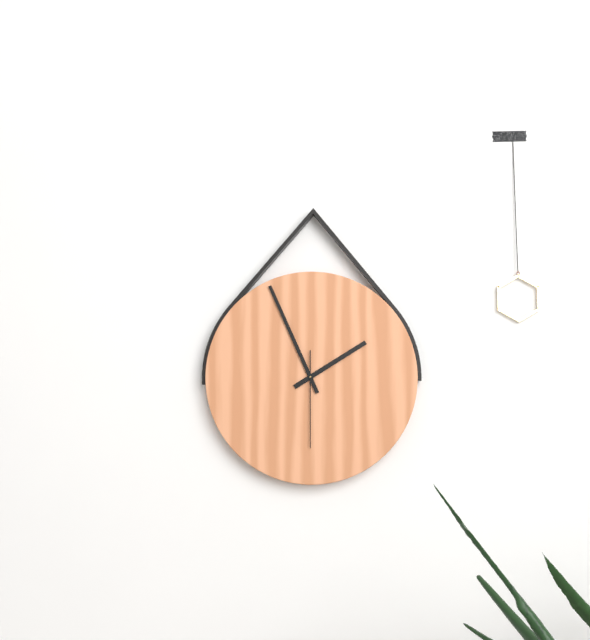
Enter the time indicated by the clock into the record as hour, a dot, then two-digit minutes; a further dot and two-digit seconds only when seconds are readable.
1.56.30
